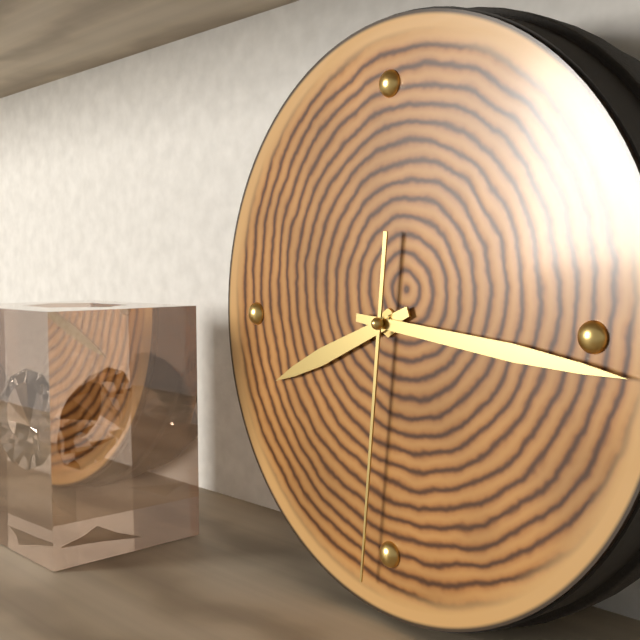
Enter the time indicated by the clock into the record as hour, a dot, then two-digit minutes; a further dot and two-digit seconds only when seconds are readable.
8.16.31
